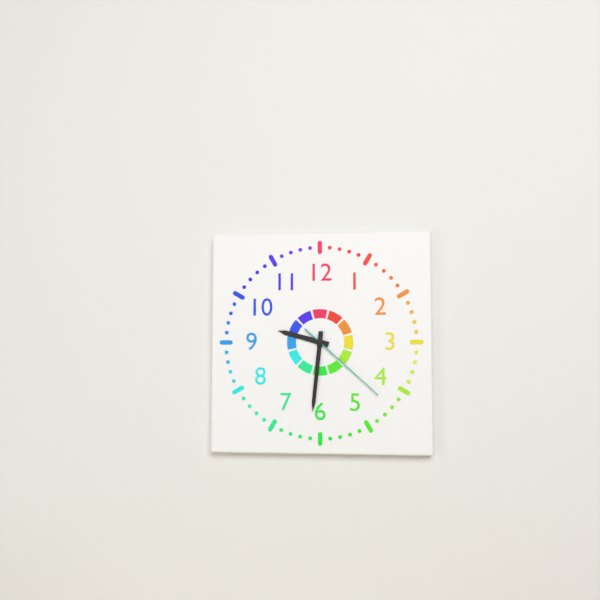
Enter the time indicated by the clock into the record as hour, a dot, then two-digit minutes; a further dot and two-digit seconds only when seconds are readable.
9.31.22
